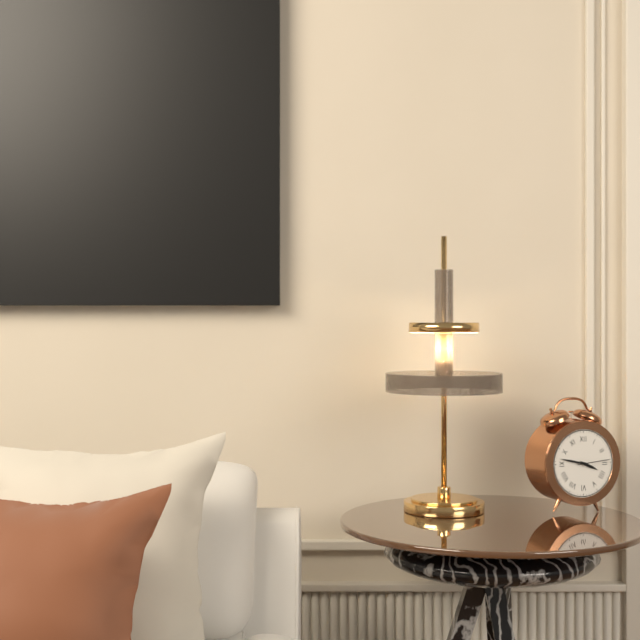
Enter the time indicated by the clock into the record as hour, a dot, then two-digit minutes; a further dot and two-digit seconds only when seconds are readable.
3.47
